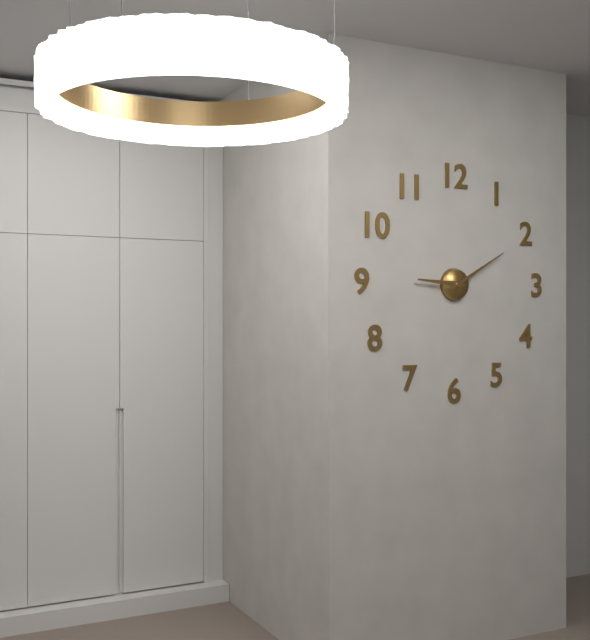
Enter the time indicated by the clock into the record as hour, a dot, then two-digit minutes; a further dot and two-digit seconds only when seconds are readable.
9.10
